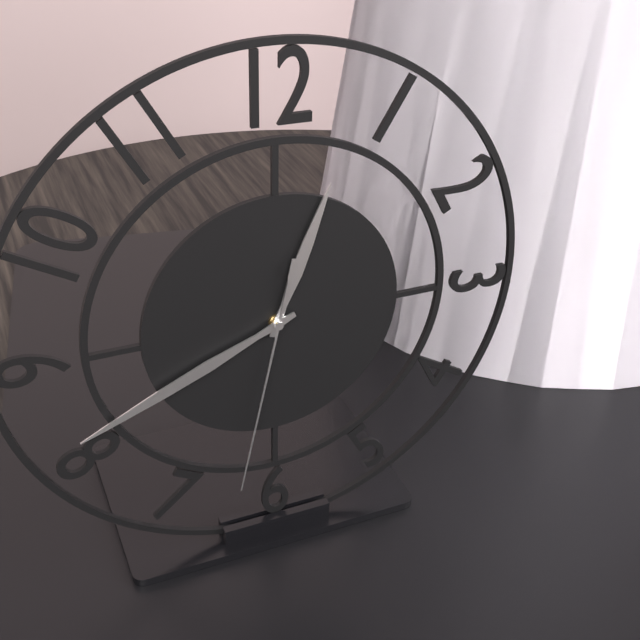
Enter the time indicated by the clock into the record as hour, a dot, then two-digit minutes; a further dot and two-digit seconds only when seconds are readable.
12.41.32
